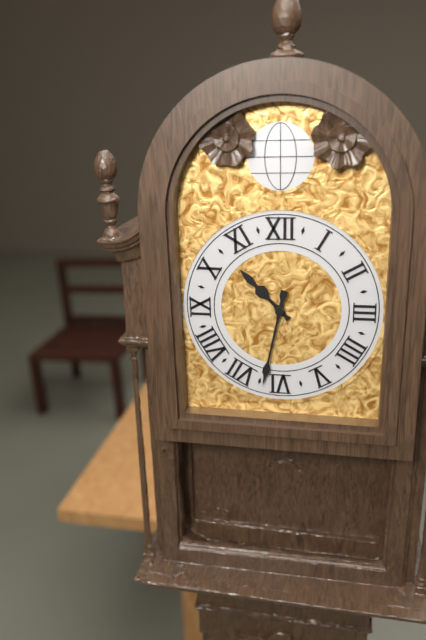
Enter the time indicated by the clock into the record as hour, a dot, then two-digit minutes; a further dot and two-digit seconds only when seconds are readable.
10.32
